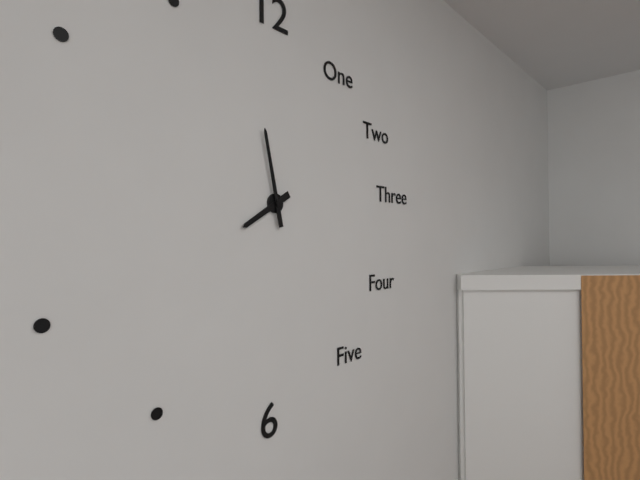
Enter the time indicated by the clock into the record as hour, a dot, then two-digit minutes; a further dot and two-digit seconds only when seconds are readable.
7.58
